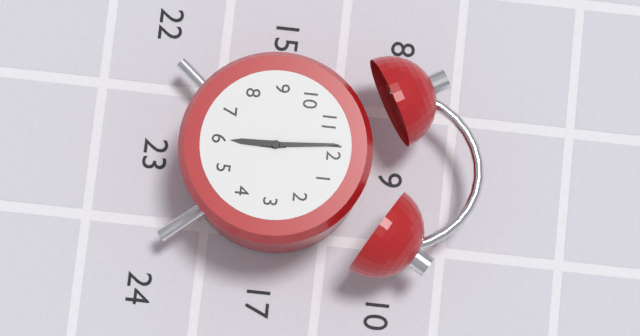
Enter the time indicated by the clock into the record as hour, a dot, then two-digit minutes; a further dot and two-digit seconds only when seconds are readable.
5.59
